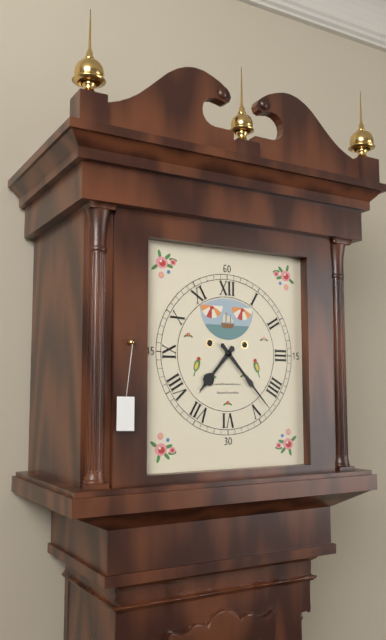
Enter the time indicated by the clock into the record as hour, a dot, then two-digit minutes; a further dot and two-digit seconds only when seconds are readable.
7.23
